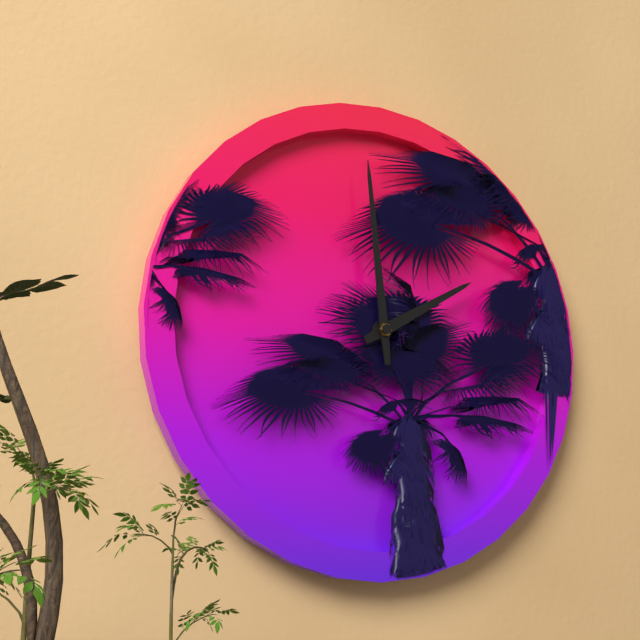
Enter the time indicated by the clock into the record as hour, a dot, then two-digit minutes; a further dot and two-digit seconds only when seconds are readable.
1.59
